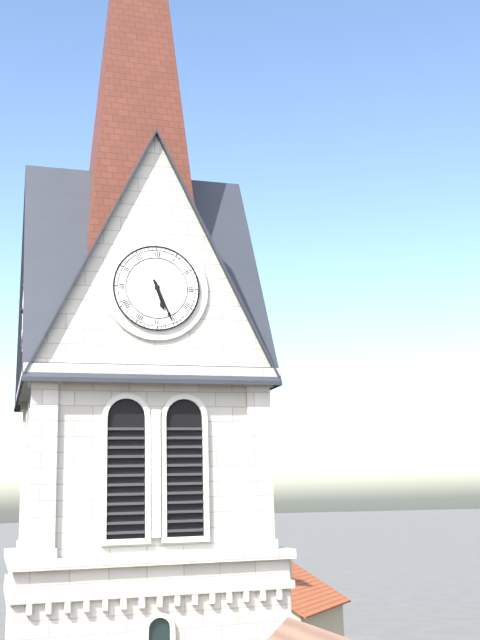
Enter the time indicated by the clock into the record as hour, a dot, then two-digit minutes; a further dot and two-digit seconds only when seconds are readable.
5.26
